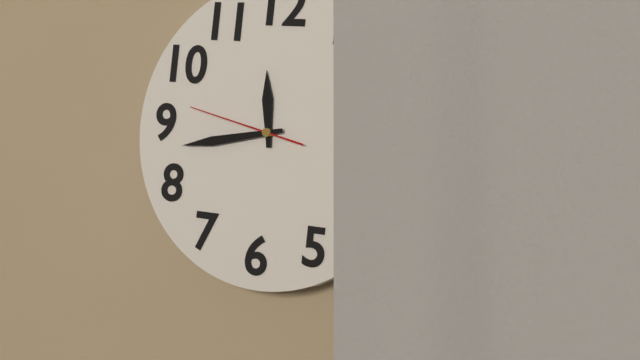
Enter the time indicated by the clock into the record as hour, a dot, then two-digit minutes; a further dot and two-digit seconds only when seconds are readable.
11.43.47
